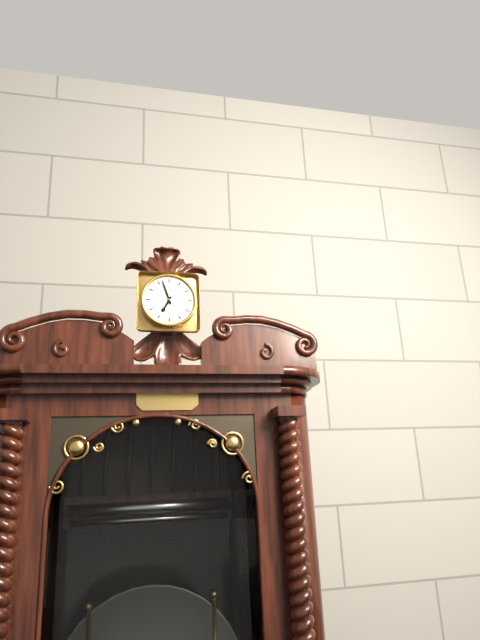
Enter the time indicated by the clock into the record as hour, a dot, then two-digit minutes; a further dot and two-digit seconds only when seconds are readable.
6.57
